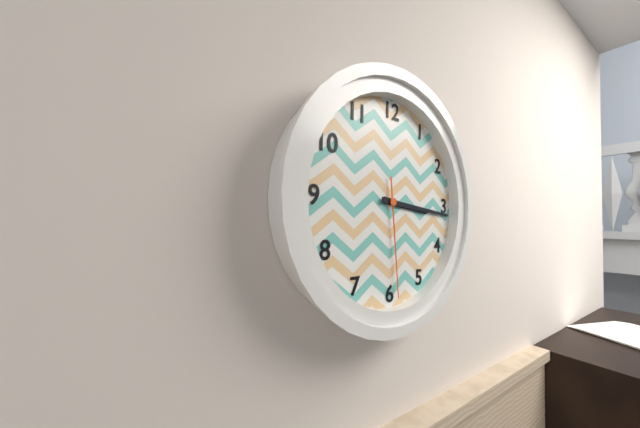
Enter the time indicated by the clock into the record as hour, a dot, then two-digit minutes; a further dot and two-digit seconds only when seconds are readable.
3.16.29
